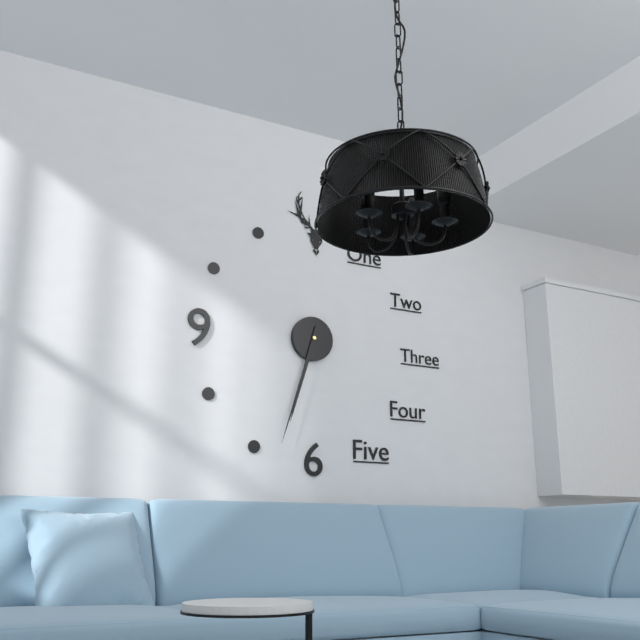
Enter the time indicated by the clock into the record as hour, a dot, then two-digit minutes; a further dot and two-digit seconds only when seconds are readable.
6.33
